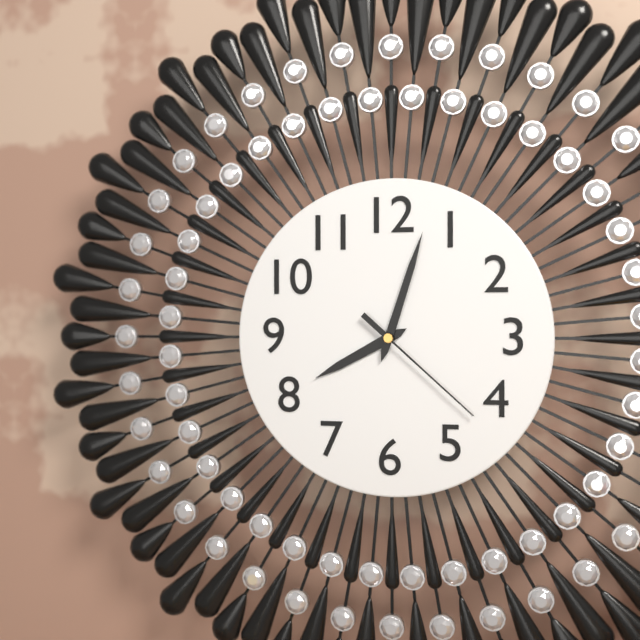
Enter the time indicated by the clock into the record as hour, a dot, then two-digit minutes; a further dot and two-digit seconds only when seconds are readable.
8.03.22
